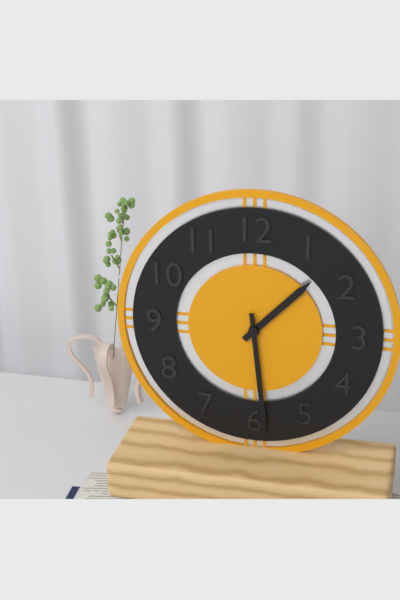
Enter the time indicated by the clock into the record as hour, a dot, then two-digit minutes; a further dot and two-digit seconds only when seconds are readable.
1.29
